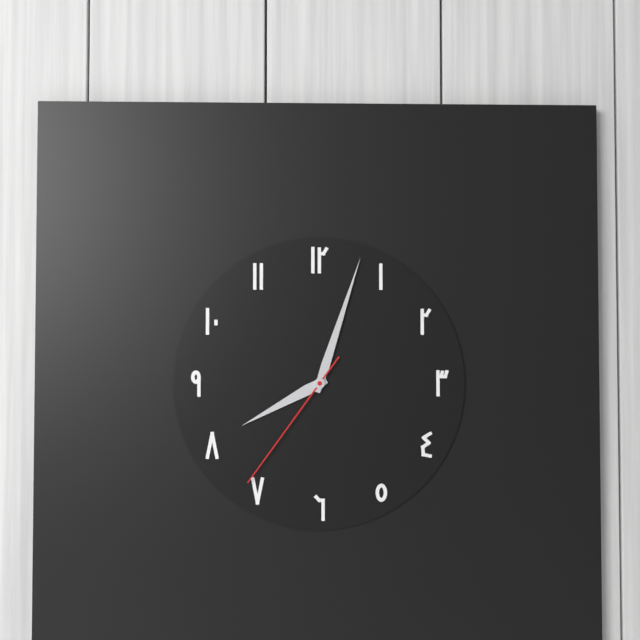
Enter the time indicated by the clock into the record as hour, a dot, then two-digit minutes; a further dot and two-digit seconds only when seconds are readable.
8.03.36
